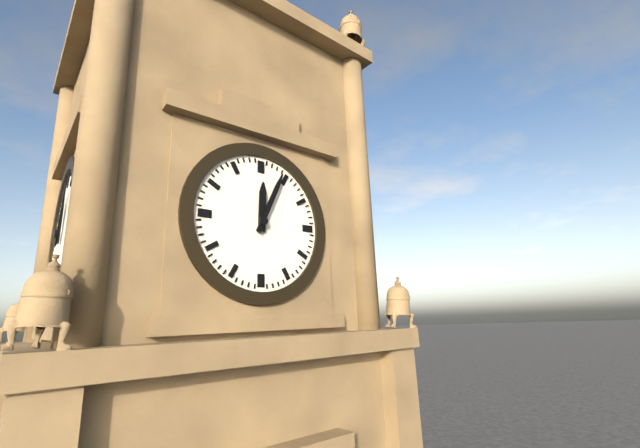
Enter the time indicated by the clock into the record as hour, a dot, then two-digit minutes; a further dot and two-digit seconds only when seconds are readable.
12.04
